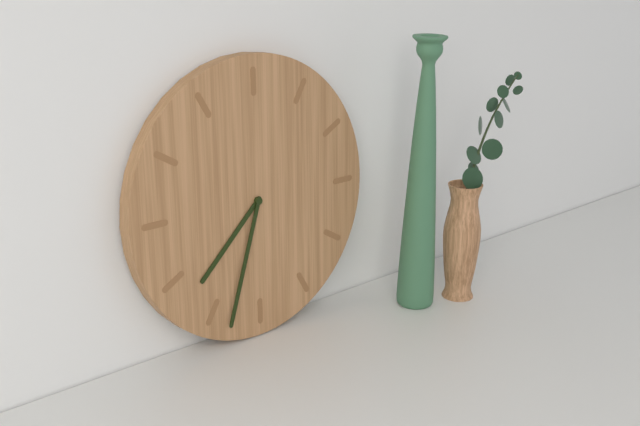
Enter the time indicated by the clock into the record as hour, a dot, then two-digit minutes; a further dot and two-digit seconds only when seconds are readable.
7.33
